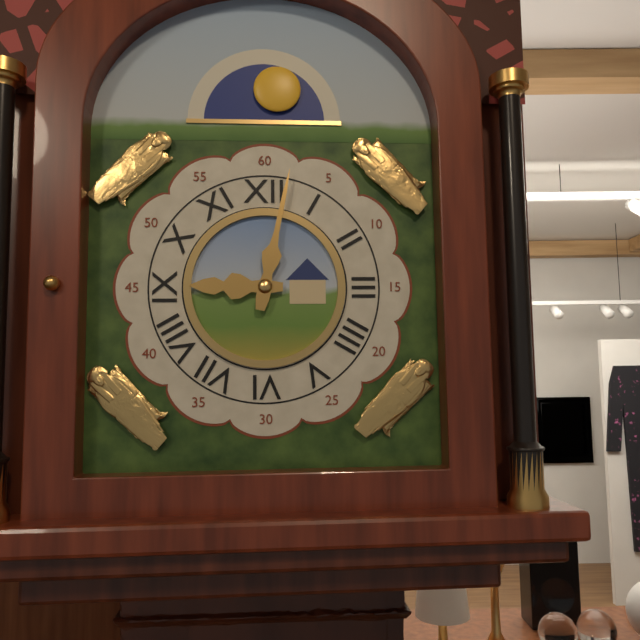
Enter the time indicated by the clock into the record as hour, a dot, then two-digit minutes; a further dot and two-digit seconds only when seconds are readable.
9.02
